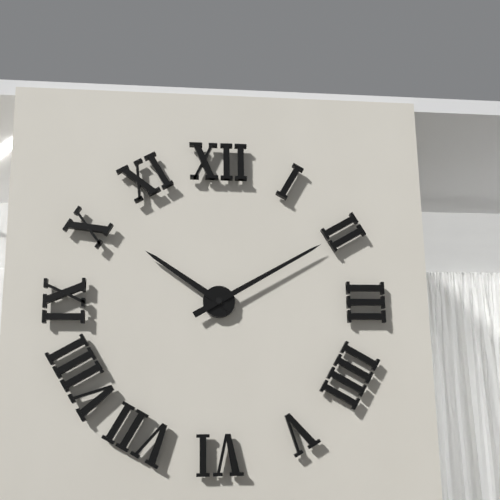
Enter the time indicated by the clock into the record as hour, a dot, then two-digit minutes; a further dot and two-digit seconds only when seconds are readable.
10.10
